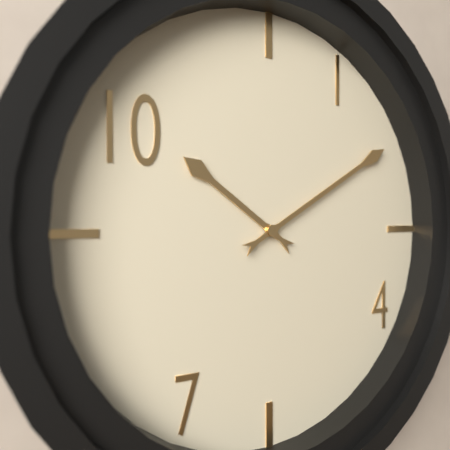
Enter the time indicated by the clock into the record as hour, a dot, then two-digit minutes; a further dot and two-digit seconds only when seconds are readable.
10.10
